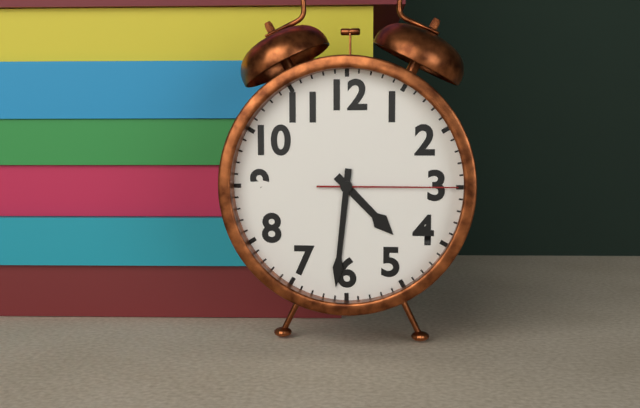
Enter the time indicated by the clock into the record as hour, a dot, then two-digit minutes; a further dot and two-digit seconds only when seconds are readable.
4.31.15
